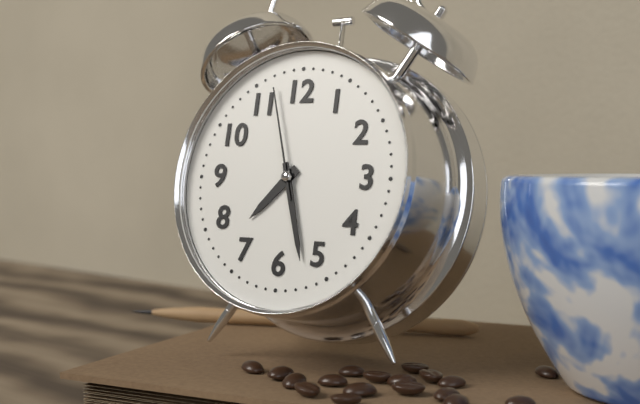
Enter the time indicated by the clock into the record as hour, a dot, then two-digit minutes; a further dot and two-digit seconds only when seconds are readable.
7.27.57
